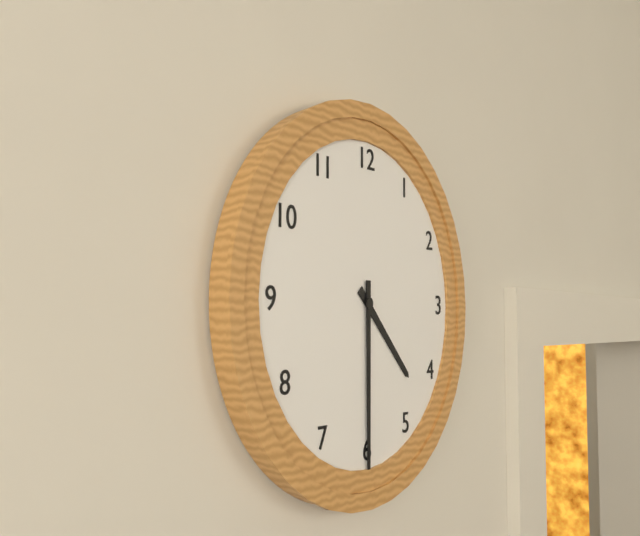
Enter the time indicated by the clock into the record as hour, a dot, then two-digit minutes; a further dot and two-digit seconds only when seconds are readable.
4.30
